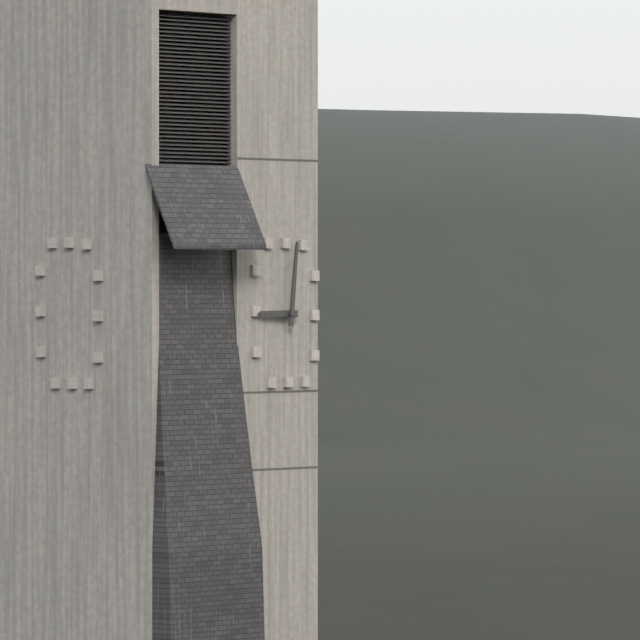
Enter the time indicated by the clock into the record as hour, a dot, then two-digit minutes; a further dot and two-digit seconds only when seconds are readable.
9.01
